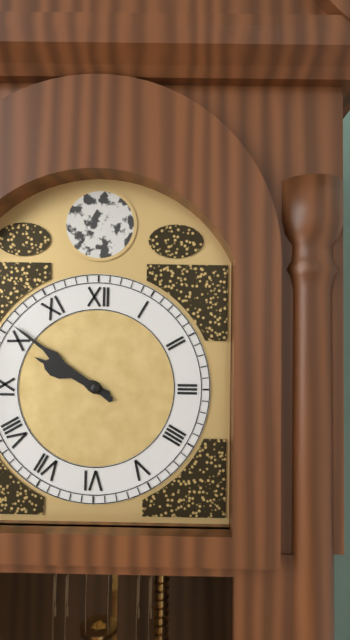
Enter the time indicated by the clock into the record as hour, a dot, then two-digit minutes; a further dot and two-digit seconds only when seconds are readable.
9.51
